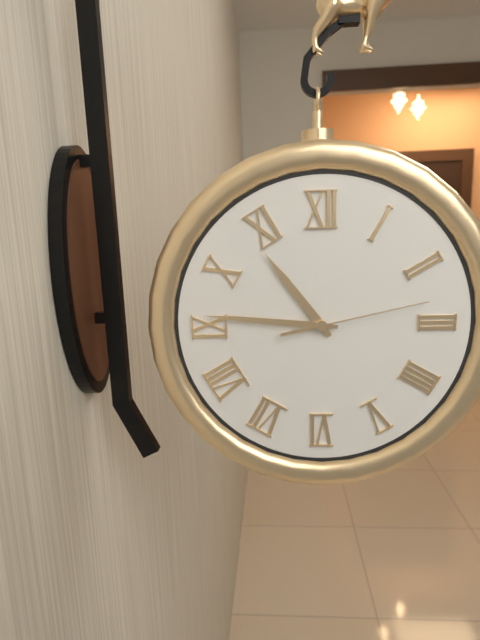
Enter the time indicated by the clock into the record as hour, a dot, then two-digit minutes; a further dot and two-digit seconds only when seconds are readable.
10.46.13
